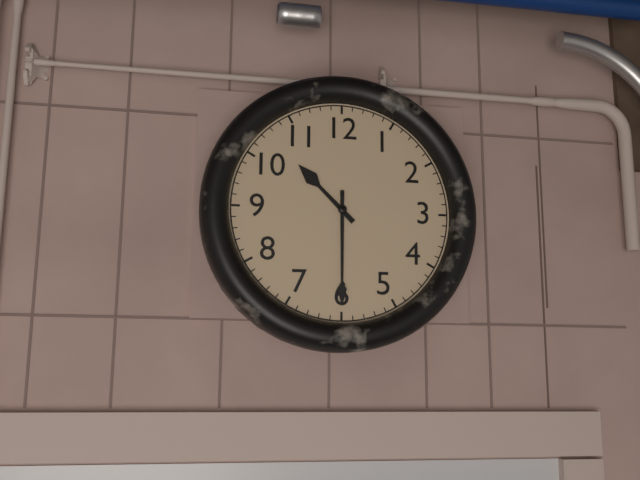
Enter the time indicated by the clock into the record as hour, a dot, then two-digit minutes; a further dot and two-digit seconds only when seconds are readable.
10.30
